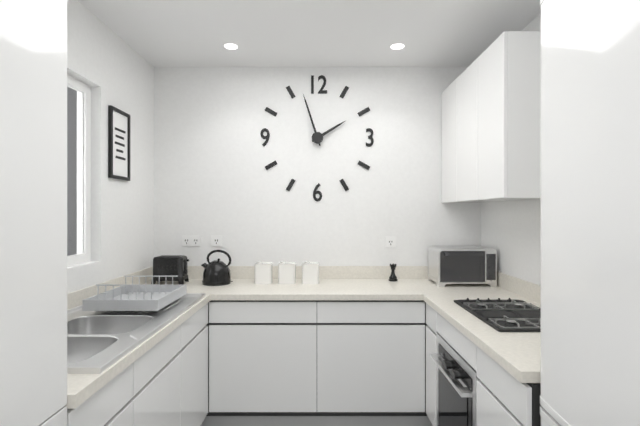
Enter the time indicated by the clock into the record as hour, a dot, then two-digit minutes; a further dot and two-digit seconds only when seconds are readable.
1.57
